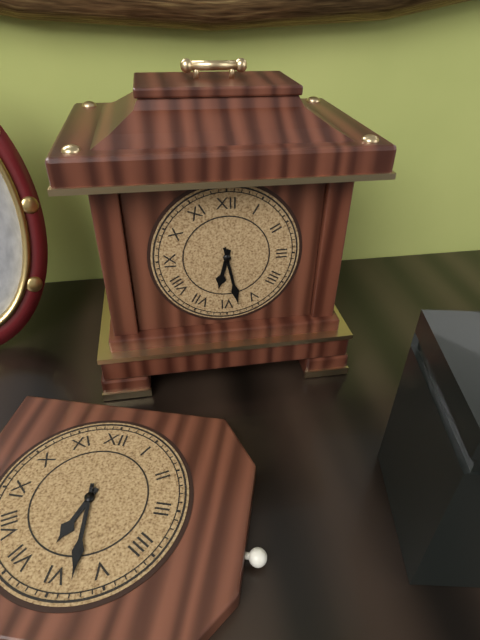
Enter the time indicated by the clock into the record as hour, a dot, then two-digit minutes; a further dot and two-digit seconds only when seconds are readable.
6.28
